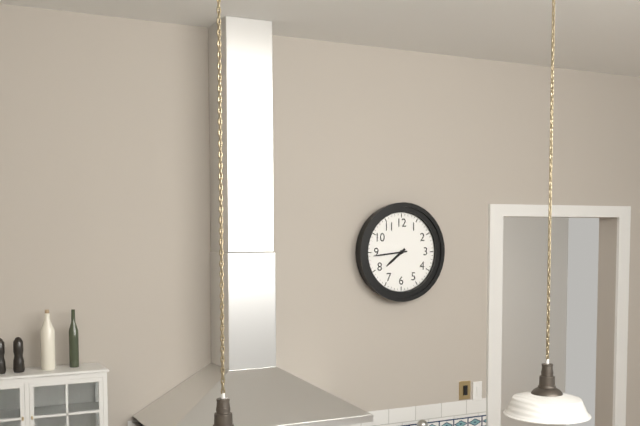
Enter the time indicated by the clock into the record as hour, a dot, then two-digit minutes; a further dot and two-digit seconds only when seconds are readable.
7.44
